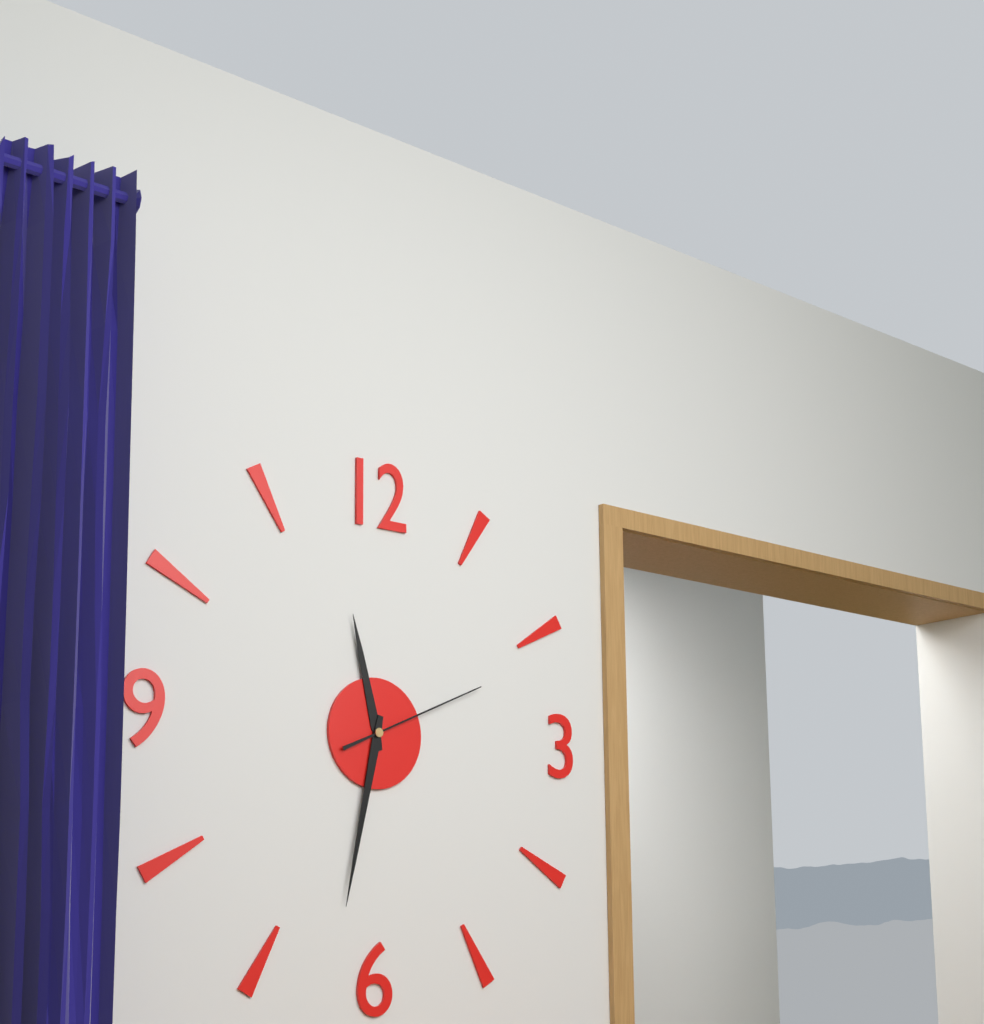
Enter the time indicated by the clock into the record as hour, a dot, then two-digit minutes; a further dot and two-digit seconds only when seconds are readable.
11.32.11
